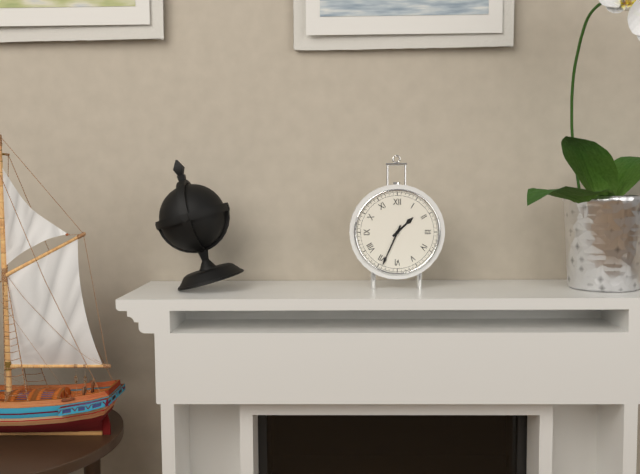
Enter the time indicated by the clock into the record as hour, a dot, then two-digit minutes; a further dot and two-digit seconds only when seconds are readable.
1.34
